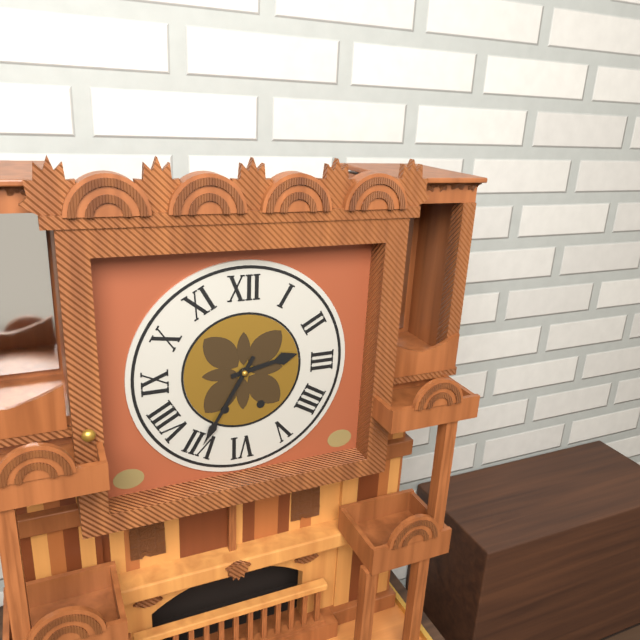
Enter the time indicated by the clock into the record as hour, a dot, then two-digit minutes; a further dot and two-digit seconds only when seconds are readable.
2.35
